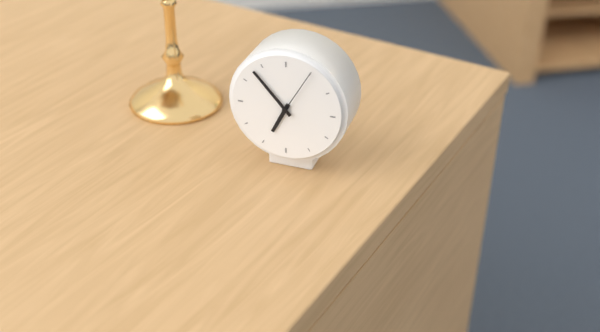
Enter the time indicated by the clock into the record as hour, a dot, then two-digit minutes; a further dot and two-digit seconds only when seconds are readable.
6.53.05
